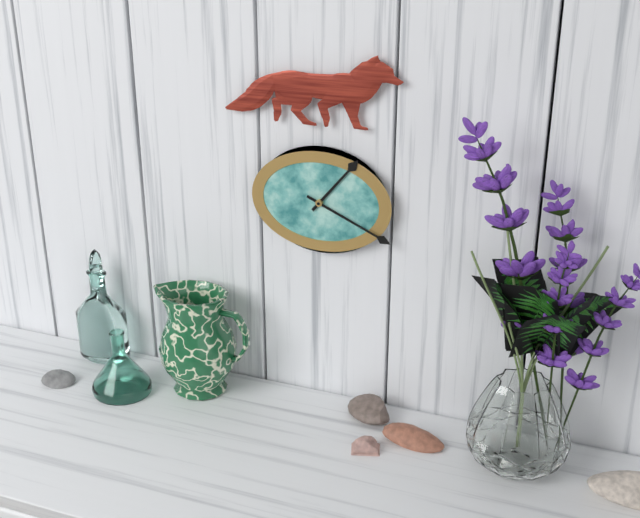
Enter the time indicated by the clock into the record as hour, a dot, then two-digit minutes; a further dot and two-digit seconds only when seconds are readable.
1.19
